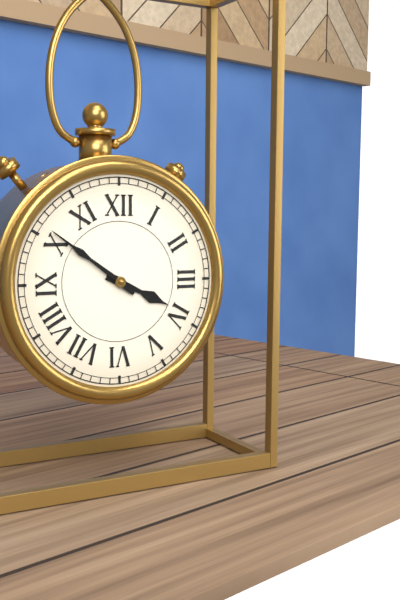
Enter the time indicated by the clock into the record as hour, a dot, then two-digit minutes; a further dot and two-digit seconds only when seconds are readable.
3.51
